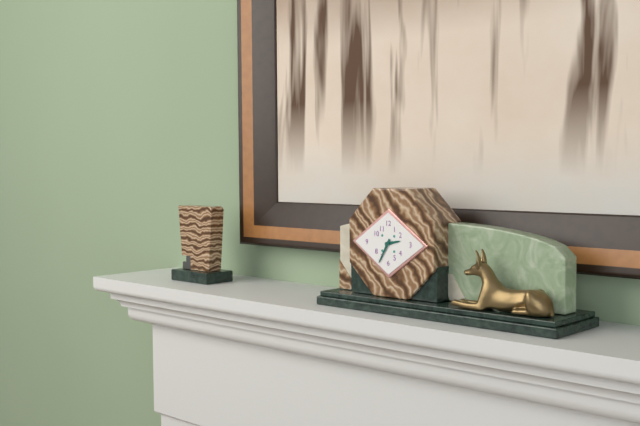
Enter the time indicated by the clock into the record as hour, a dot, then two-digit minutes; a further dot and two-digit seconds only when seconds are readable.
2.35
